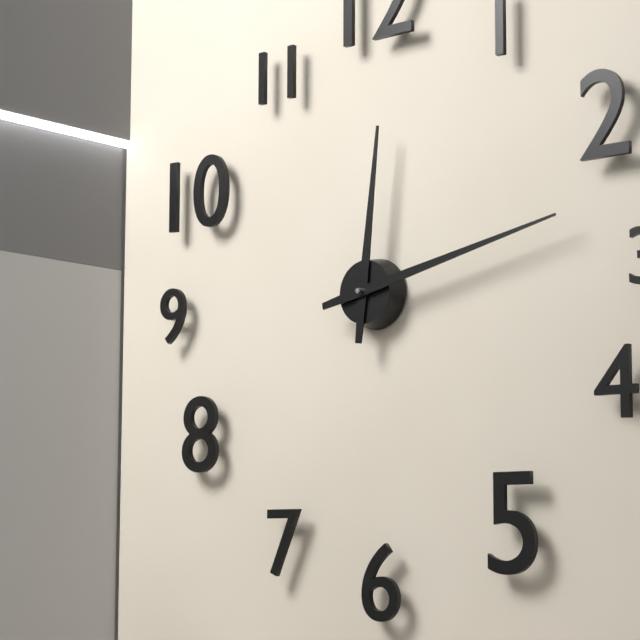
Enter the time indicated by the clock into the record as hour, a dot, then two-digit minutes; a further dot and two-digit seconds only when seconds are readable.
12.13
